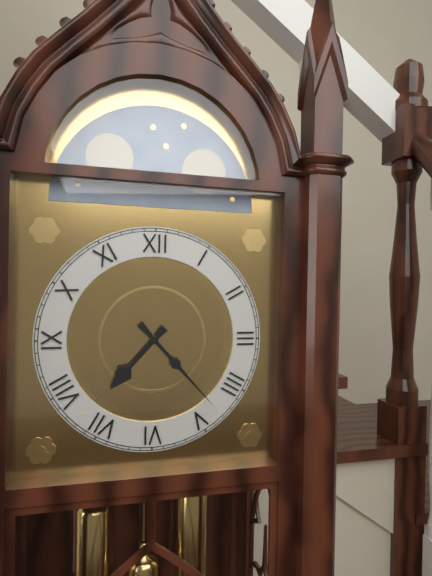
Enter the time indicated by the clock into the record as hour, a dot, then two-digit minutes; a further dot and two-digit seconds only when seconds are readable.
7.23
